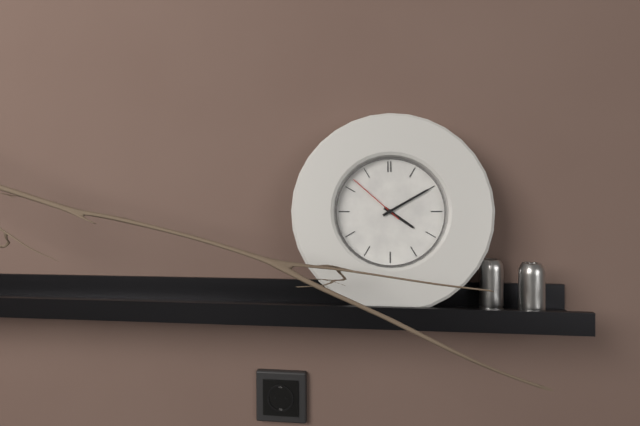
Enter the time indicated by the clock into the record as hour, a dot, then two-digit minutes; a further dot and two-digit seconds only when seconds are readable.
4.10.52
